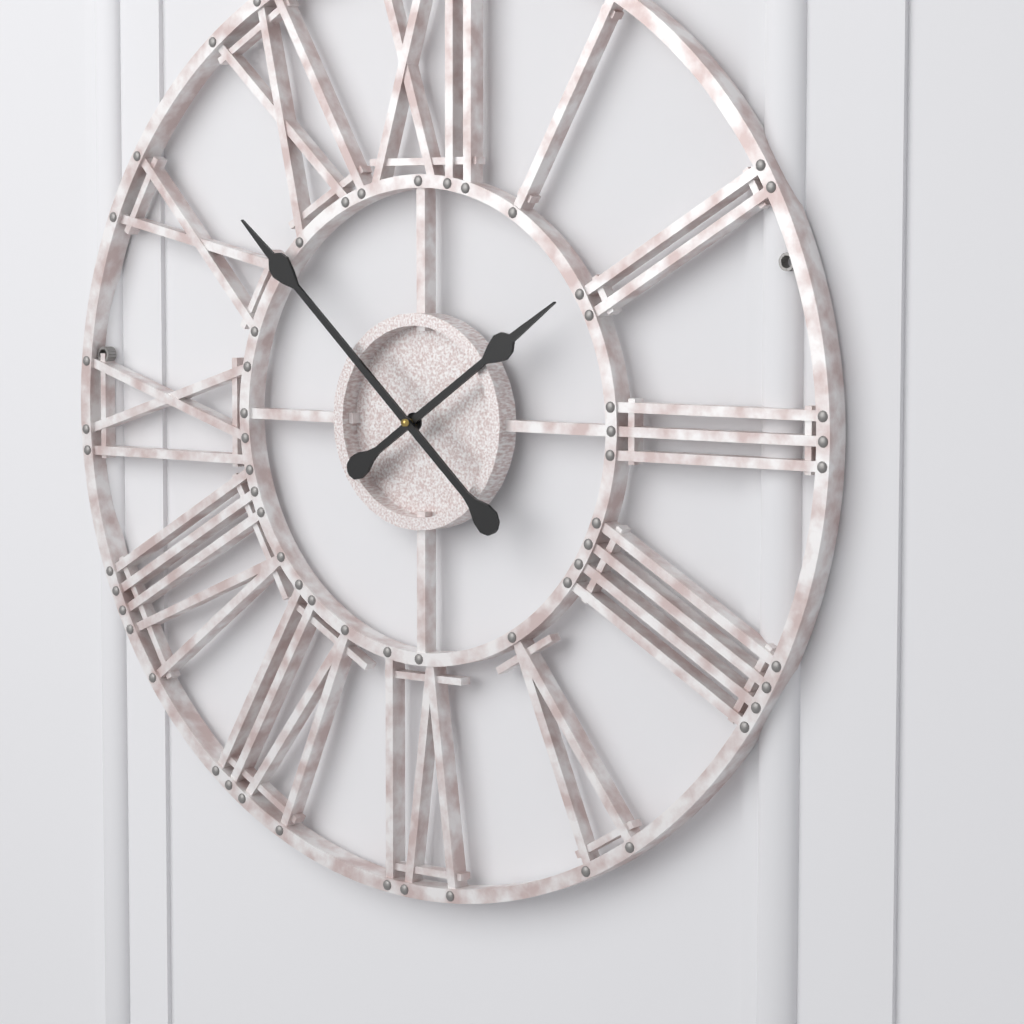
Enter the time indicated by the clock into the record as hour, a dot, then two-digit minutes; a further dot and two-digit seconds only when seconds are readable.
1.52
